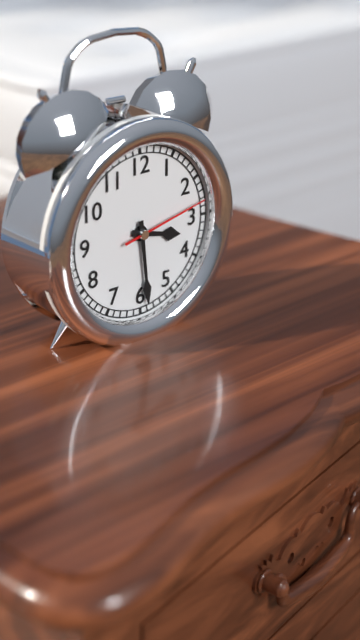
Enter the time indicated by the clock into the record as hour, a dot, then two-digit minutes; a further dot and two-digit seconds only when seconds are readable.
3.29.13
